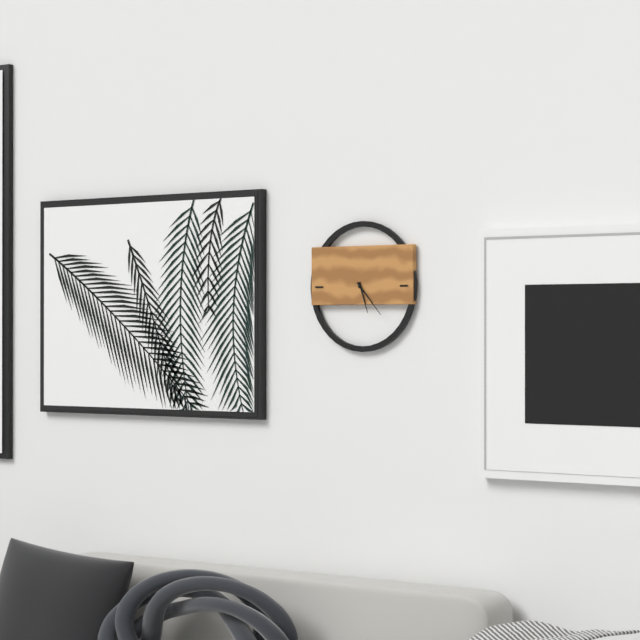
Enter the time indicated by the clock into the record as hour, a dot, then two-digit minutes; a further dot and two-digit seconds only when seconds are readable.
5.23
